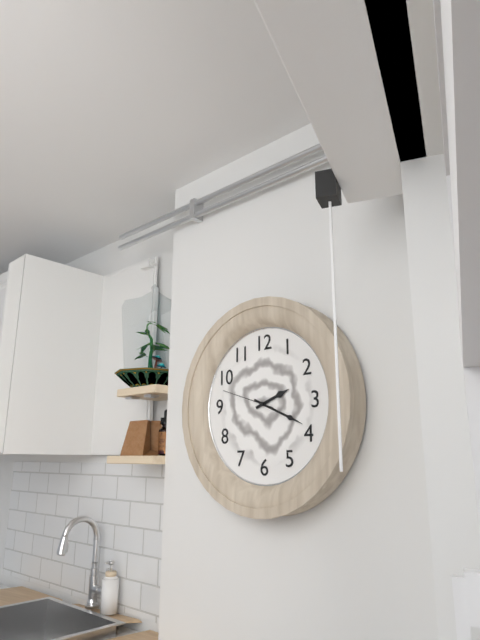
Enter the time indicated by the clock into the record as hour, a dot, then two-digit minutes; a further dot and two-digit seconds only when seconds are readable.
2.19.48
